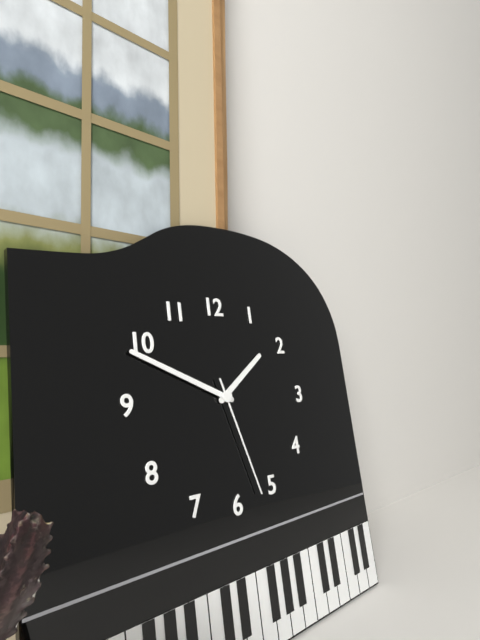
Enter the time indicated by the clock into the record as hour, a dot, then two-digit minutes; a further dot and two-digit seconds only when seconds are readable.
1.49.27
